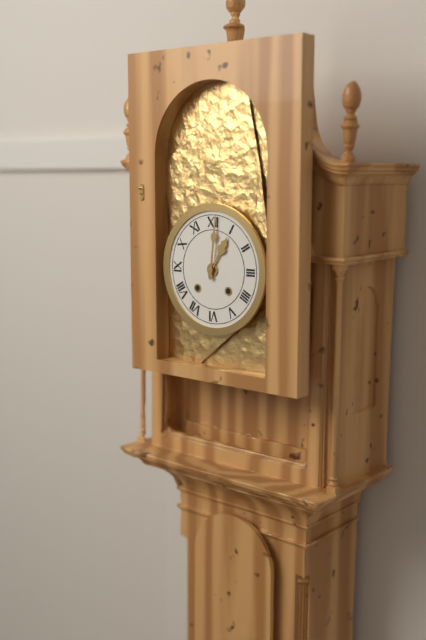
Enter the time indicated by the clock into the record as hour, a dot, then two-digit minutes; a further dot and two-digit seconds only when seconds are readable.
1.01
